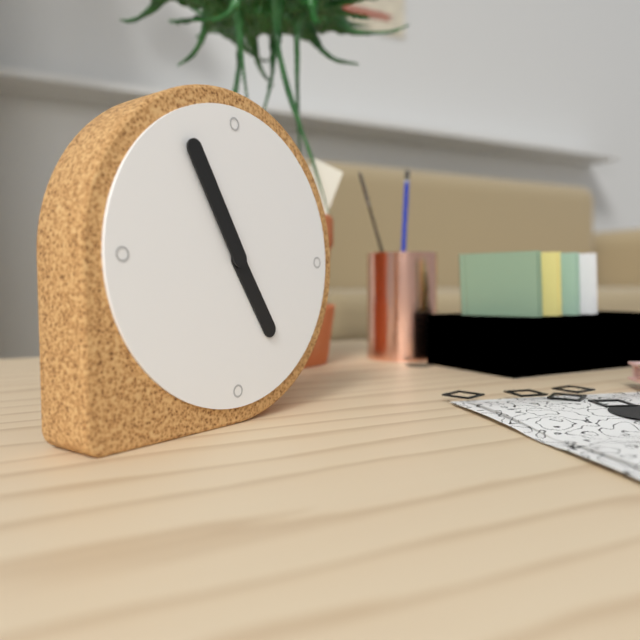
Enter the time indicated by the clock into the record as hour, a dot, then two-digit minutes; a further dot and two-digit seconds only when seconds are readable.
4.55
